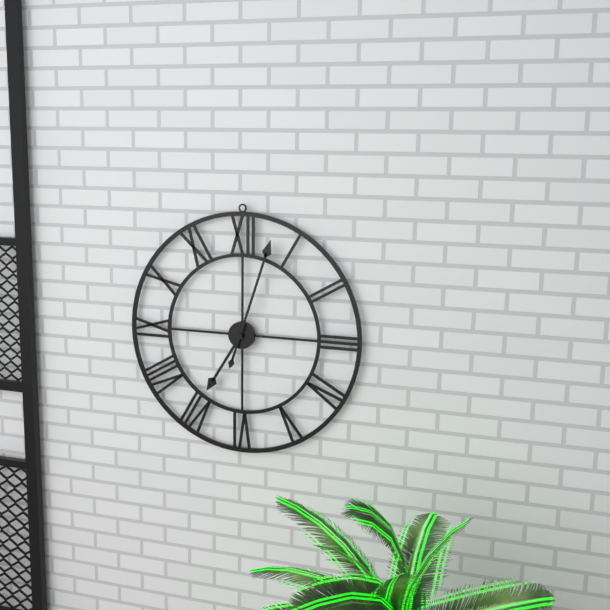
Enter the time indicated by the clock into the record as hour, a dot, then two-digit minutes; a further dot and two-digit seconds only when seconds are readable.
7.03
